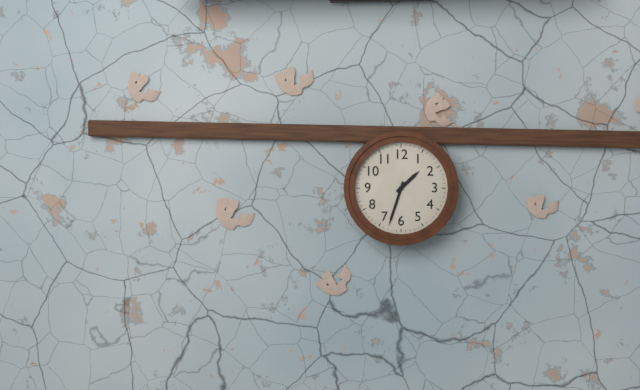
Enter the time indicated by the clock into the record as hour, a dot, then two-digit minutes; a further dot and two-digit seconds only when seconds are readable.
1.33
